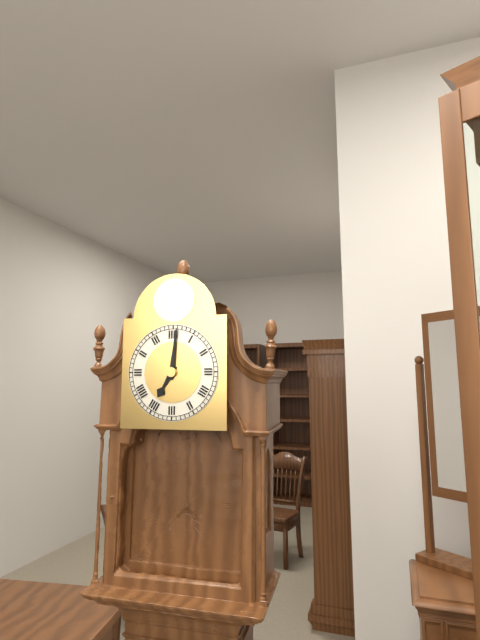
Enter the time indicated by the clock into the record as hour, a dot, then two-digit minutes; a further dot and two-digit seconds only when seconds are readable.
7.01
